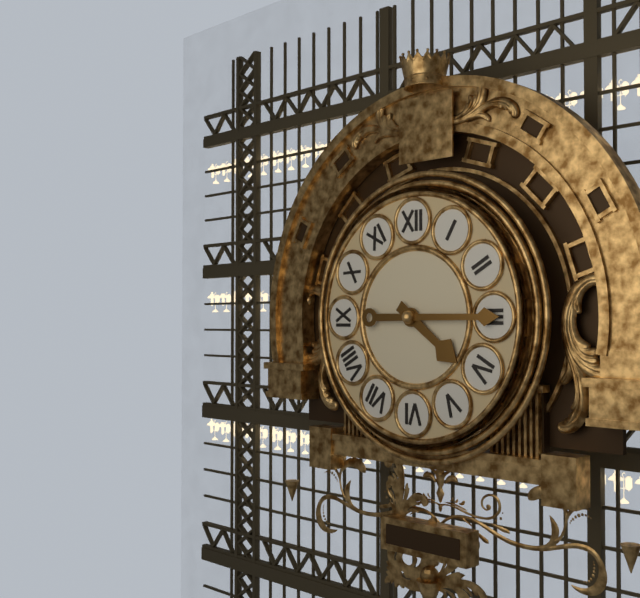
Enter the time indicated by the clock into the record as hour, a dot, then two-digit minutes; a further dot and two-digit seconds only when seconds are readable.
4.15
